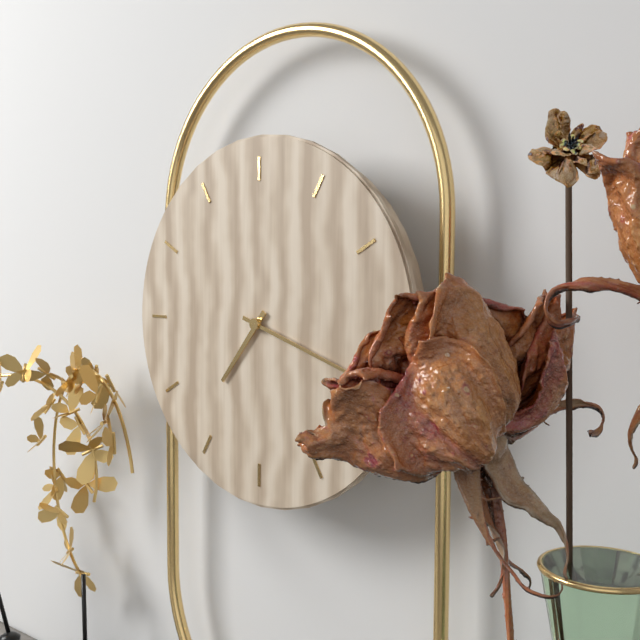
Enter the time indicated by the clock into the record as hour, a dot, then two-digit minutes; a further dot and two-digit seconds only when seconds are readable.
7.18
